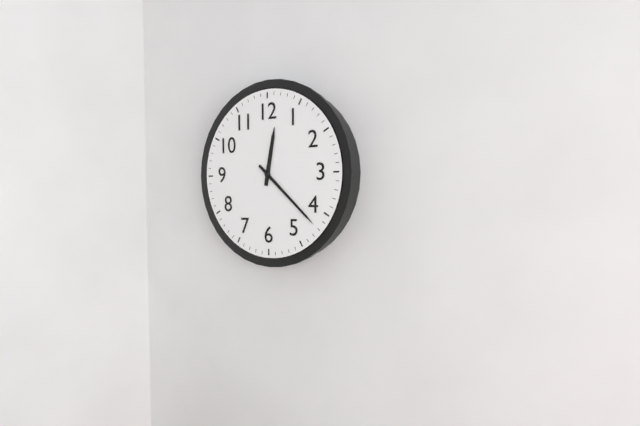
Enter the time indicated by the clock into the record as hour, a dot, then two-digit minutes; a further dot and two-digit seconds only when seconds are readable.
12.22
